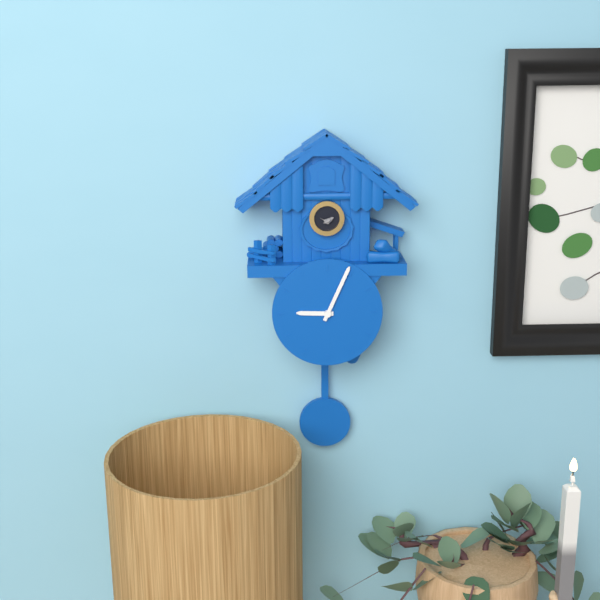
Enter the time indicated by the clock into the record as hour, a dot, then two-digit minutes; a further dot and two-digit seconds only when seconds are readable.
9.04
